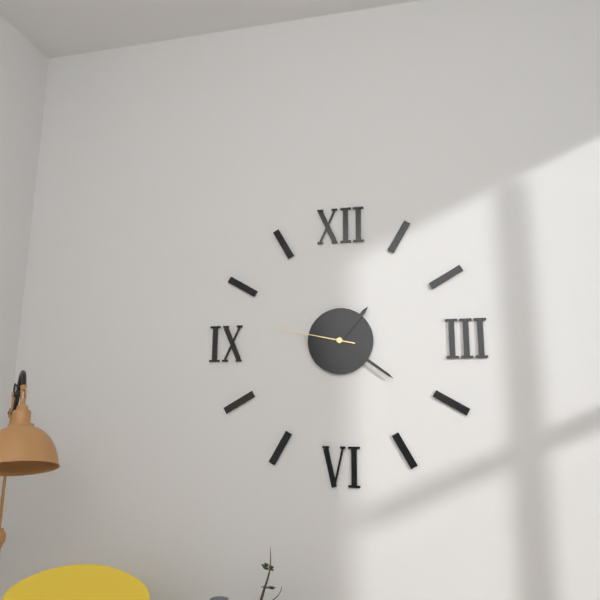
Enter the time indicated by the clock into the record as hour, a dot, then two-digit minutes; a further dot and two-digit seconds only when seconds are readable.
1.21.47
